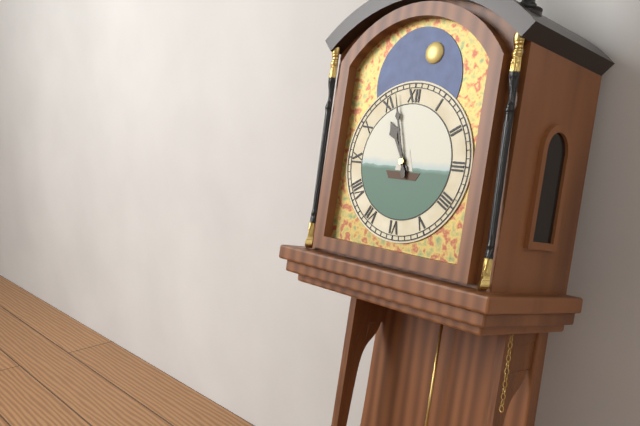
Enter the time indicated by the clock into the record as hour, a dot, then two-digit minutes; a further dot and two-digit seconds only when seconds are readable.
10.57
